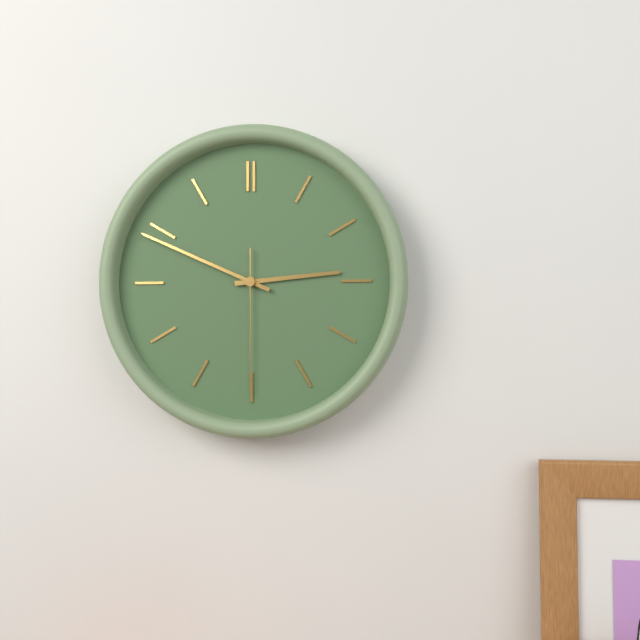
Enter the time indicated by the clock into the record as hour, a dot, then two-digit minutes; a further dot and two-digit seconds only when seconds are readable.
2.49.30
